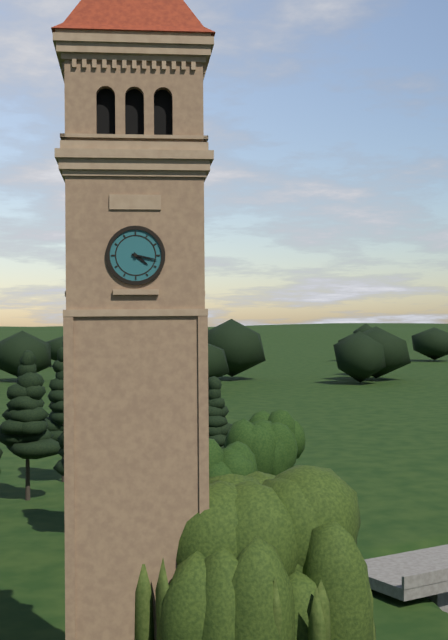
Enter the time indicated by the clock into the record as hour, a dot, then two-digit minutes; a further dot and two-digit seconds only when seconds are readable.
4.17
